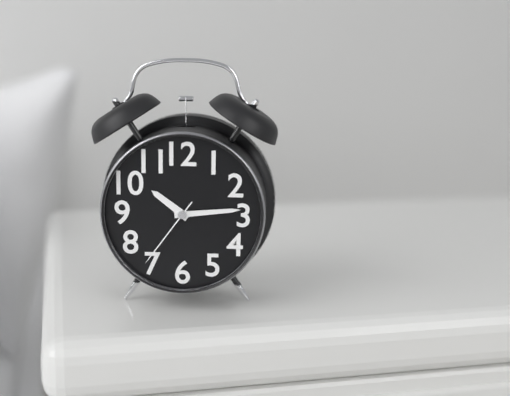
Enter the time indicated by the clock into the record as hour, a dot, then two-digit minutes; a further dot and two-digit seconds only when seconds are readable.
10.14.36
